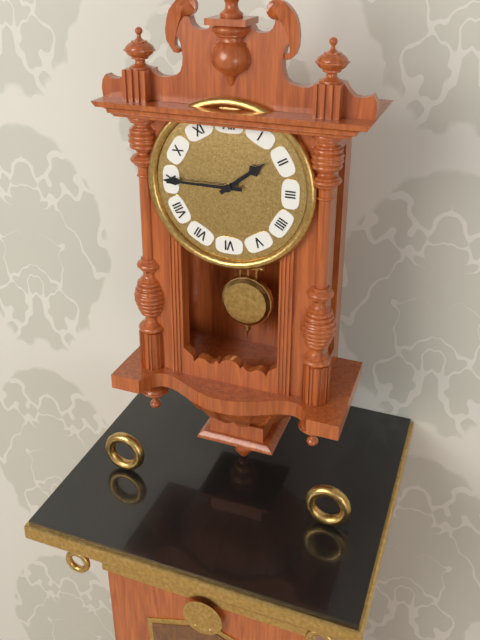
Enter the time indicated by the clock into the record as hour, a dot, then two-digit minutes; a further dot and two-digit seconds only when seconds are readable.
1.45
